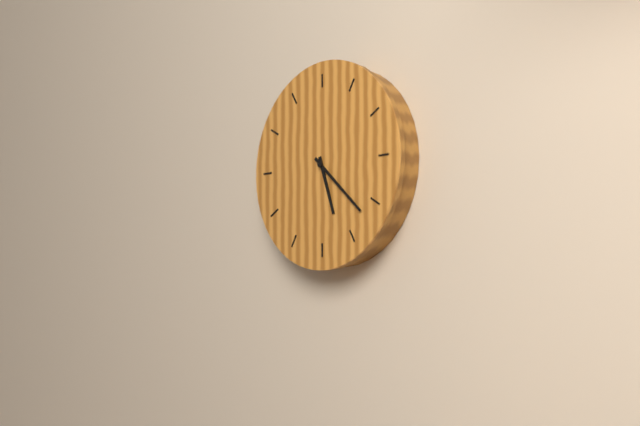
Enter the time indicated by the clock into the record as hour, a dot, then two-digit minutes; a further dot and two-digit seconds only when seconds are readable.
5.22
